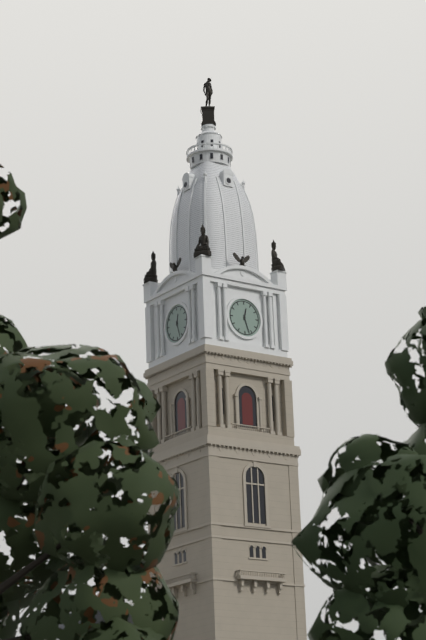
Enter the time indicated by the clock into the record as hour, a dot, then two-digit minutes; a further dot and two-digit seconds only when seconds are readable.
12.27
